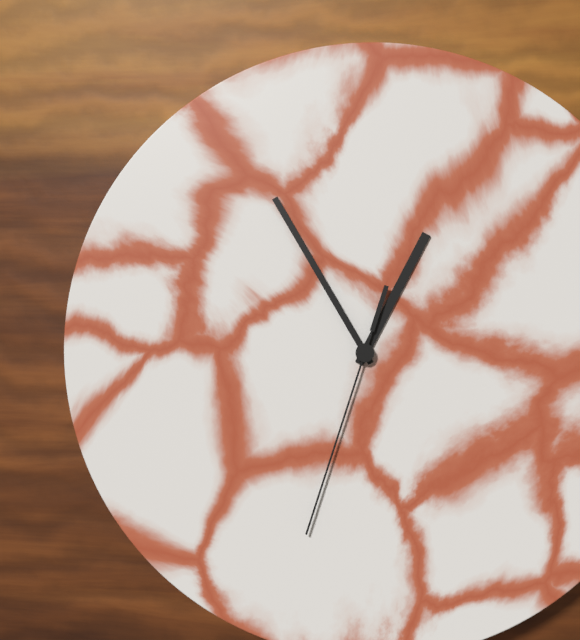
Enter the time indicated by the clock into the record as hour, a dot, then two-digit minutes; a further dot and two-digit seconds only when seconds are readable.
12.55.33
